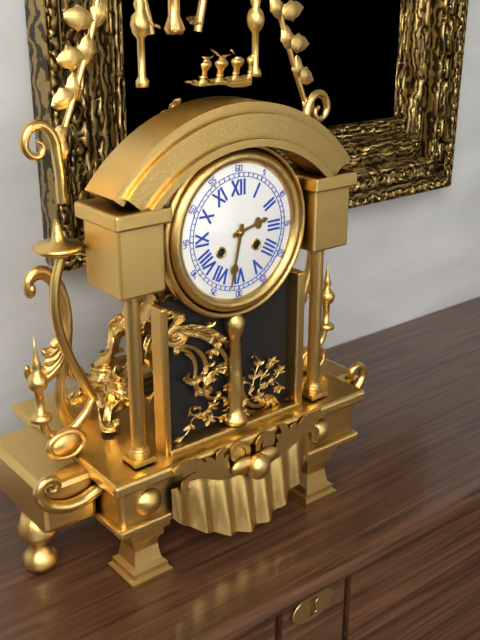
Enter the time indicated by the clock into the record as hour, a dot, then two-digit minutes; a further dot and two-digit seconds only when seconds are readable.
2.32
